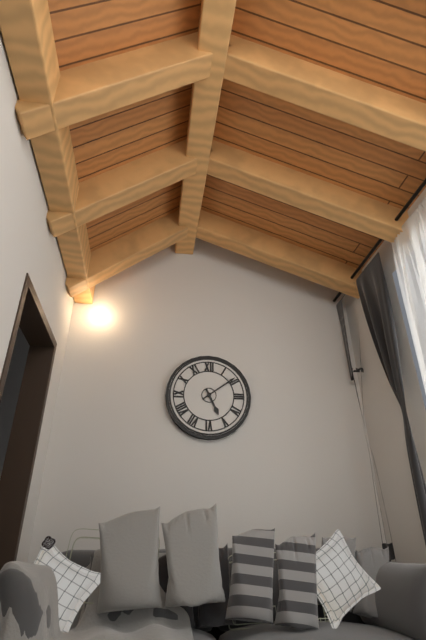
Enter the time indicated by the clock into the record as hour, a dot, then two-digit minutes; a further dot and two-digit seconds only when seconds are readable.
5.09
